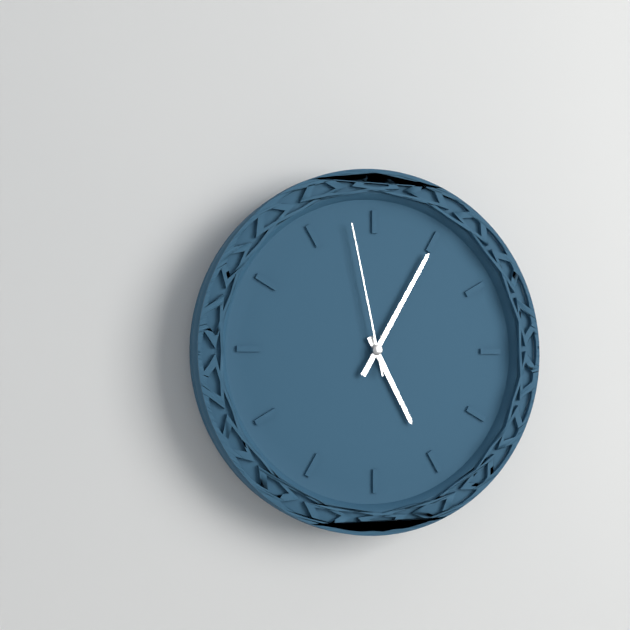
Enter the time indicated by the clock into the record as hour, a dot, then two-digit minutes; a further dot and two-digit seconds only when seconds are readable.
5.05.58
